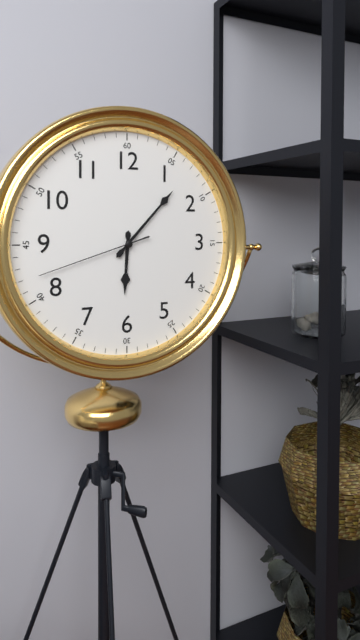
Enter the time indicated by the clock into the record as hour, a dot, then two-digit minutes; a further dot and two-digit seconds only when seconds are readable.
6.07.42
